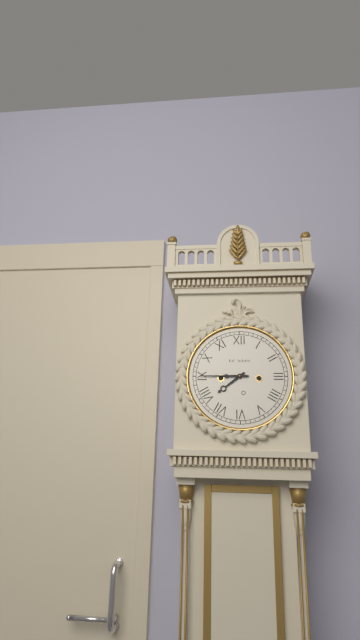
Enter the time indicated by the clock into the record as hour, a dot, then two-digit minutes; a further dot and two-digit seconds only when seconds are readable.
7.45
